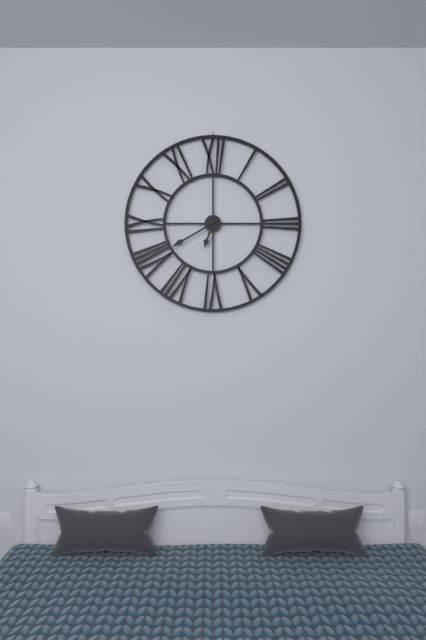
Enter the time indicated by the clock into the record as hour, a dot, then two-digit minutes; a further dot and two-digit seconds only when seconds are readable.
6.40
